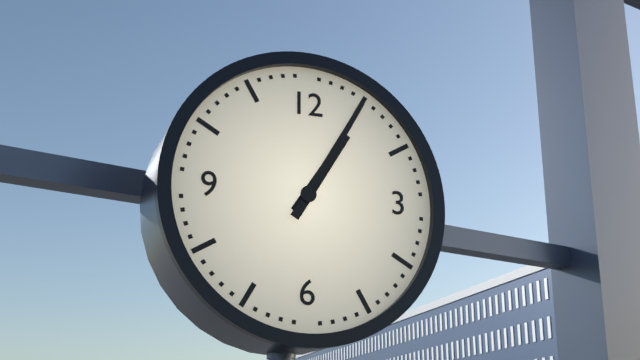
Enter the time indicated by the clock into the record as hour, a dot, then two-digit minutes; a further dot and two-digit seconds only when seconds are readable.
1.05
